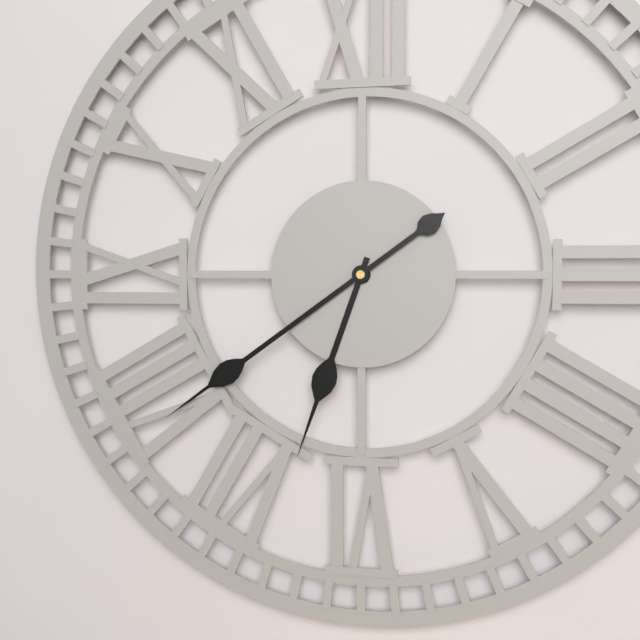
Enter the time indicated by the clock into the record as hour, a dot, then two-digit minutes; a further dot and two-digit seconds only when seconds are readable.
6.39
